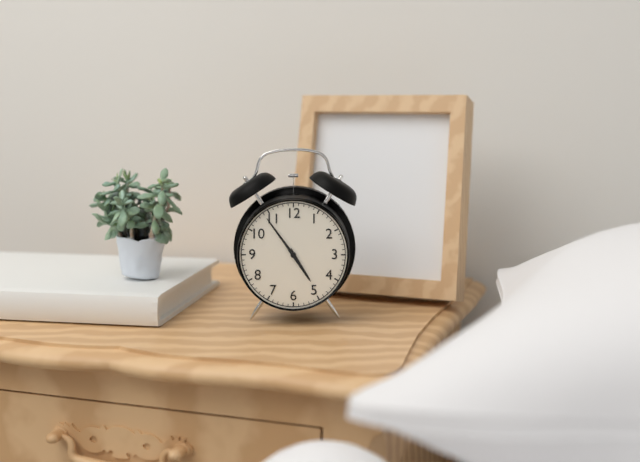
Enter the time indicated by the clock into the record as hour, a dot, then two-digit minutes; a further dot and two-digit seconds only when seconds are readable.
4.54
